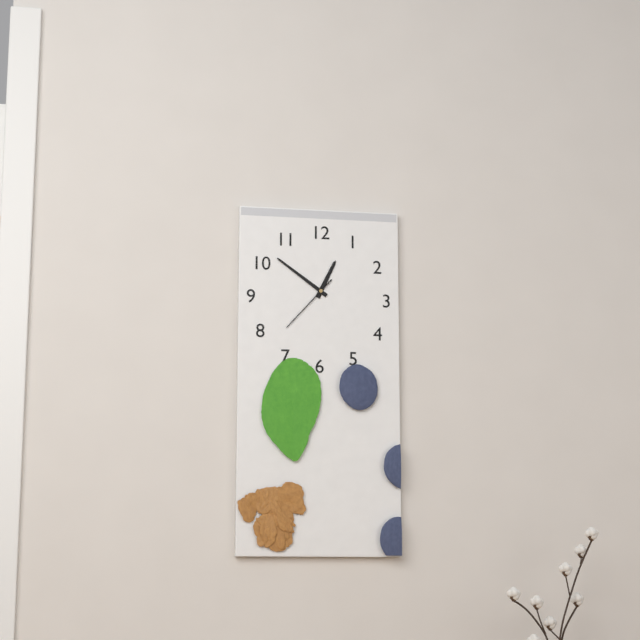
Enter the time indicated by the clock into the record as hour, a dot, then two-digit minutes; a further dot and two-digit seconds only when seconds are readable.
12.51.37
